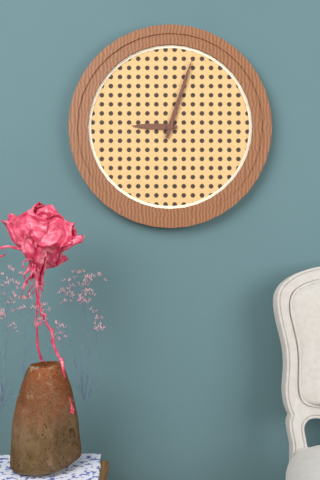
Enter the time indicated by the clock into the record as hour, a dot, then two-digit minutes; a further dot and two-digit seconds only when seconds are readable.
9.03
